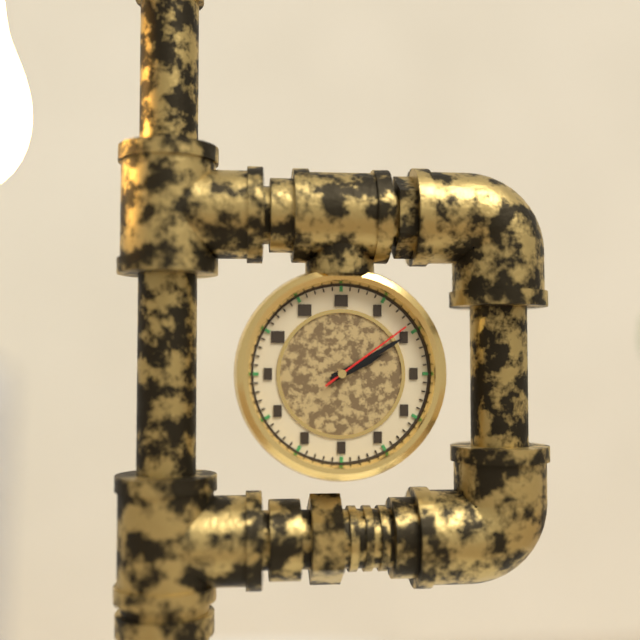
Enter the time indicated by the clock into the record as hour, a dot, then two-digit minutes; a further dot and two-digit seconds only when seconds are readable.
2.10.09
